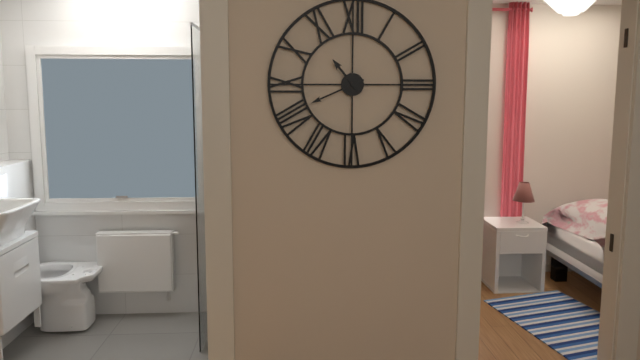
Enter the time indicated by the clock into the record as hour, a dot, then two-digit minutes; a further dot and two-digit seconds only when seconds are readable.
10.41
